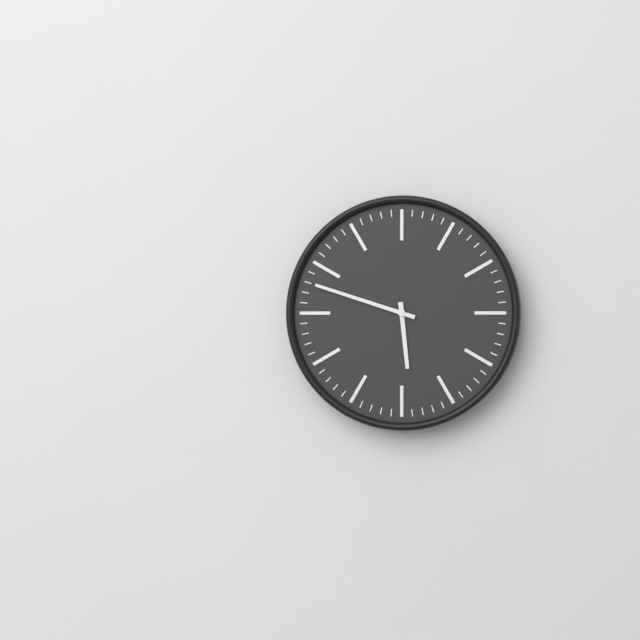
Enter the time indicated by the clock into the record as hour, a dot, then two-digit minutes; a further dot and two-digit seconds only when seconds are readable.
5.48
